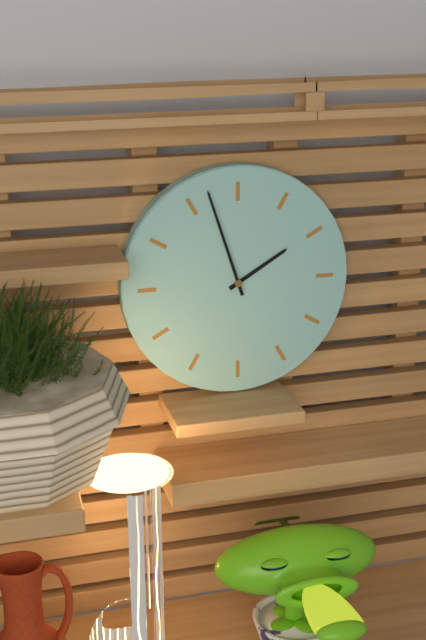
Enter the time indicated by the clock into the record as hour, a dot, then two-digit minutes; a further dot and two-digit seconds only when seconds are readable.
1.57
